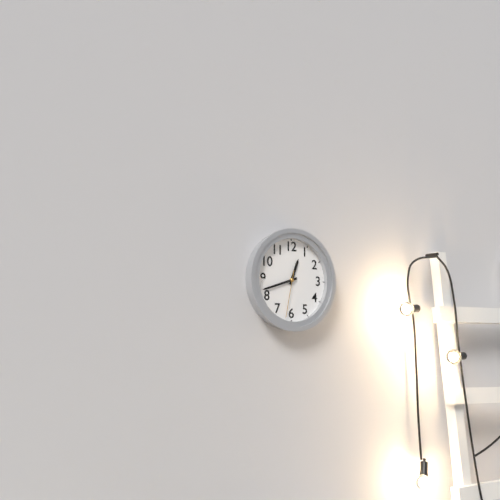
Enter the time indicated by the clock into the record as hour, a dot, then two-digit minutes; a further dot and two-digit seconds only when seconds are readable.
12.42
